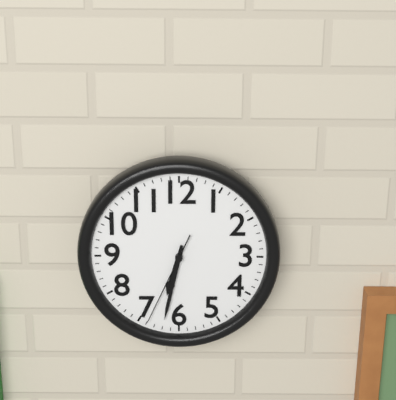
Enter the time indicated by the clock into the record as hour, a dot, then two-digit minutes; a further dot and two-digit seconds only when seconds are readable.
6.32.34
